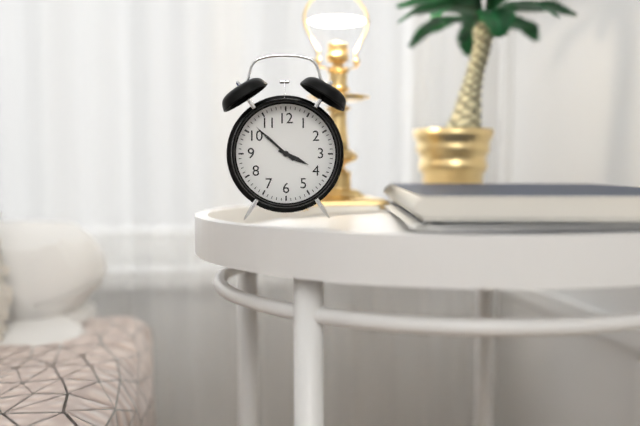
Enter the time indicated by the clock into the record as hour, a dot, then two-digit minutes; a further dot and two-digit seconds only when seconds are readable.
3.52
